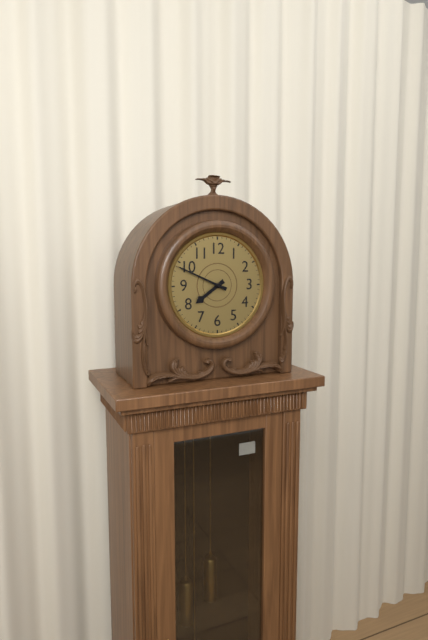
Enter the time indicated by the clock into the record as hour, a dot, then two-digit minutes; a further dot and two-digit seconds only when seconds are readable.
7.49
